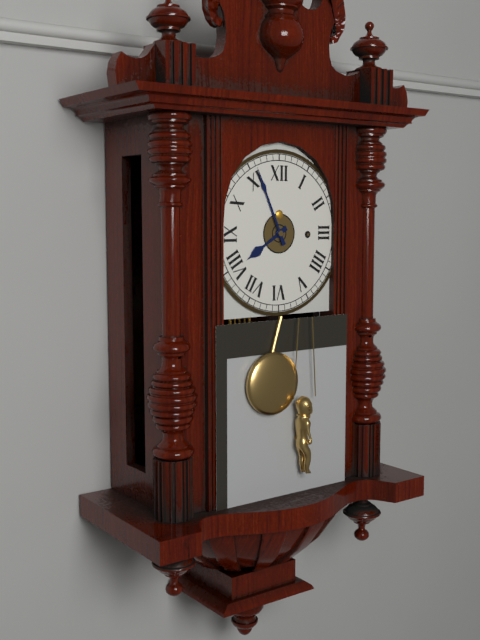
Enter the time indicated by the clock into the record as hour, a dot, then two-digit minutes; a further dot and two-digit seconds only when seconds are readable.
7.56
